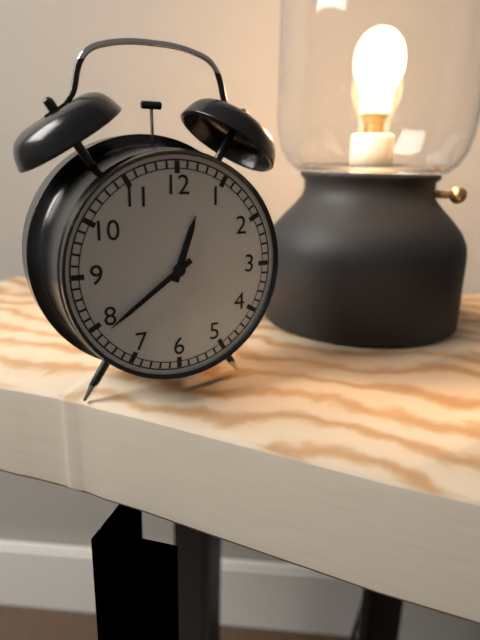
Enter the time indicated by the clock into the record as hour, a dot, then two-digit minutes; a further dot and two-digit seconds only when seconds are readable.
12.39
